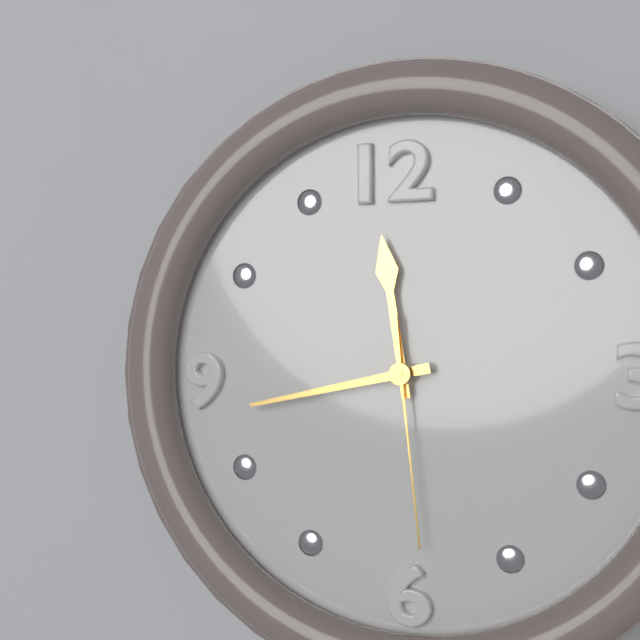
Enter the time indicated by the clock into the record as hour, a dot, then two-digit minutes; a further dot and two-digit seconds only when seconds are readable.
11.43.29
